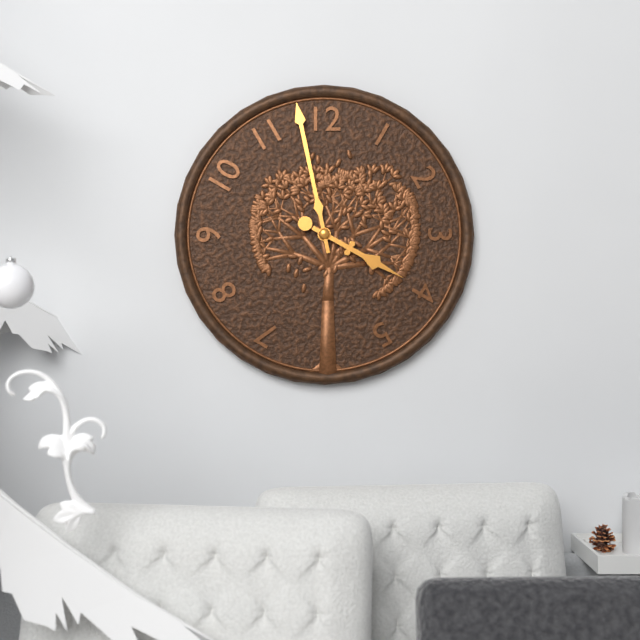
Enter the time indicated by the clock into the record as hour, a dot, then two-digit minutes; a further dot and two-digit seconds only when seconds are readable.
3.58
